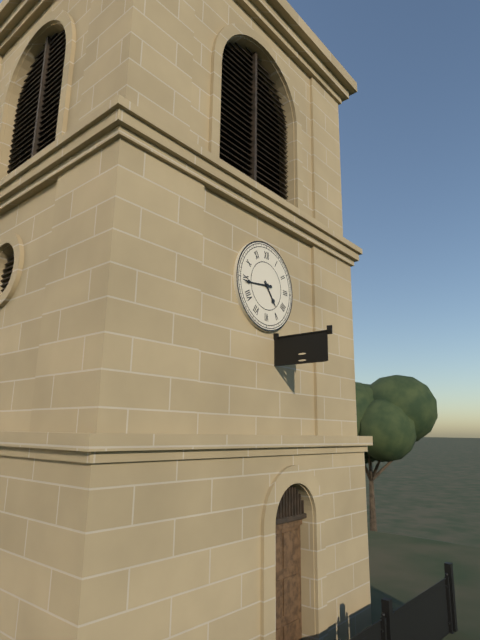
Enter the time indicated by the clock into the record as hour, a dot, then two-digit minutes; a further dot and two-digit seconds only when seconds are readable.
4.44
